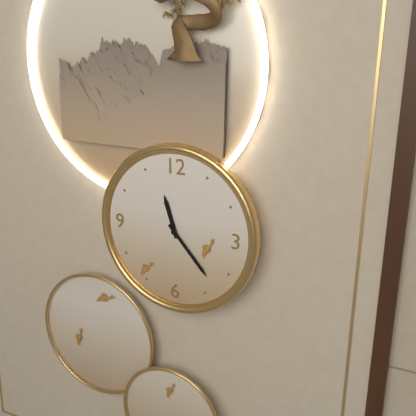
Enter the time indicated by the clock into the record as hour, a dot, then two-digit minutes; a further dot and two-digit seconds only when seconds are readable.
11.23
